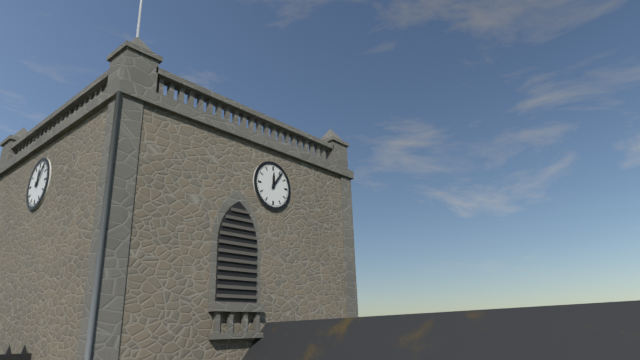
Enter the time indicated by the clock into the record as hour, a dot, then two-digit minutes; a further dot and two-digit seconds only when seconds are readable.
12.06
